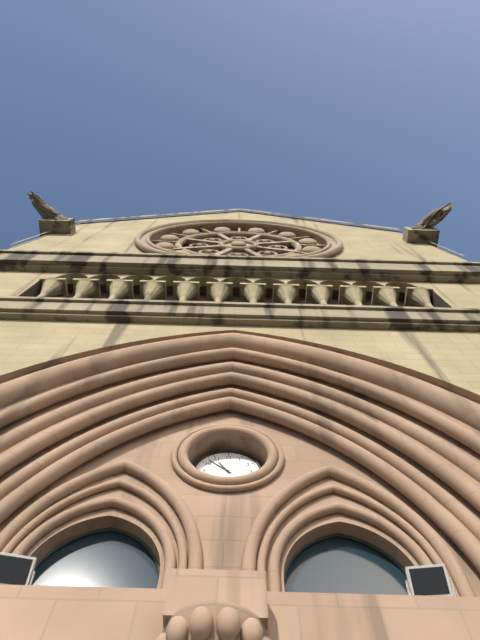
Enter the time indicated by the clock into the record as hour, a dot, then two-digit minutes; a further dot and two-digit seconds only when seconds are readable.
10.52
